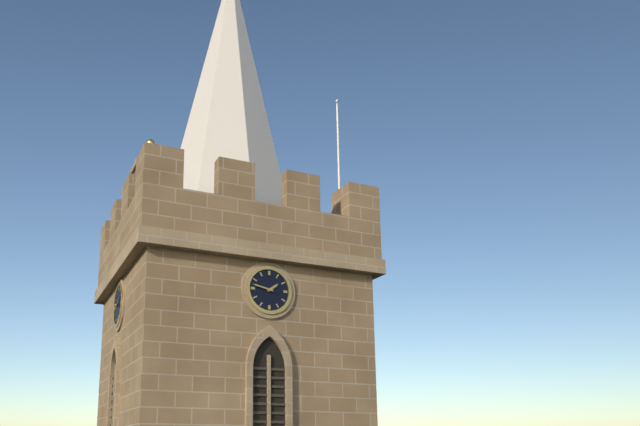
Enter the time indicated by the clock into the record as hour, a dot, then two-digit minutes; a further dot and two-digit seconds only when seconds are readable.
1.47
